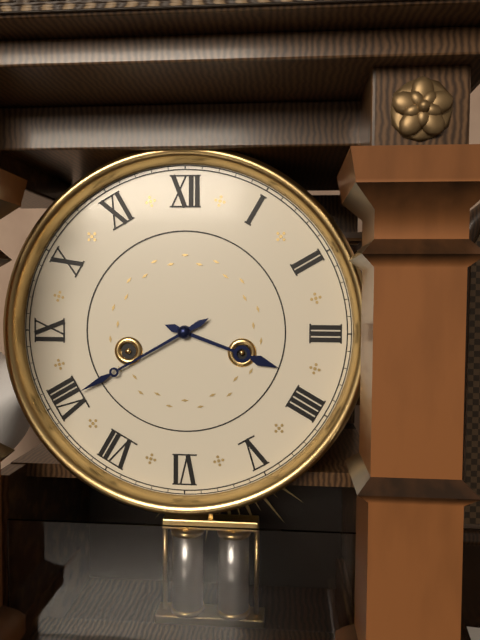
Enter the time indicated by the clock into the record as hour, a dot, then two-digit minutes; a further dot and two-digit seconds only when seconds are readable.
3.40
